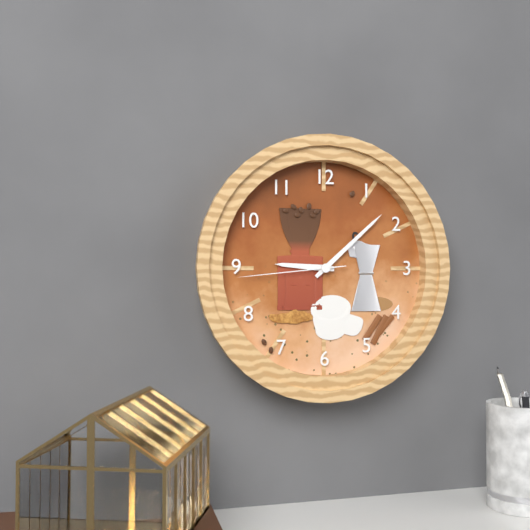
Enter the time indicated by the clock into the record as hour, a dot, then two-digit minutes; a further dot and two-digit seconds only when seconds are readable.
9.08.44
